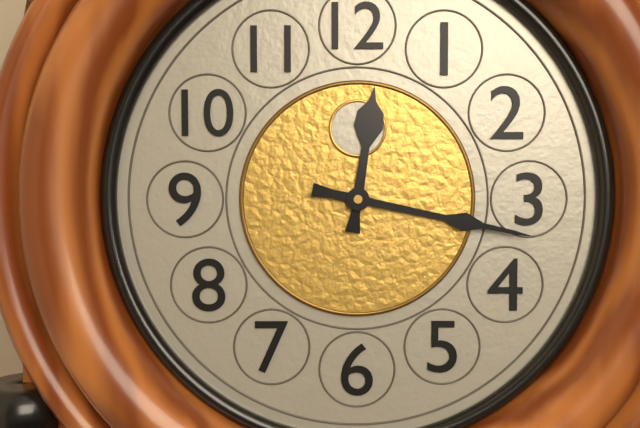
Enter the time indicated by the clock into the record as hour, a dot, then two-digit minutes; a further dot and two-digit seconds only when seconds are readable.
12.17
